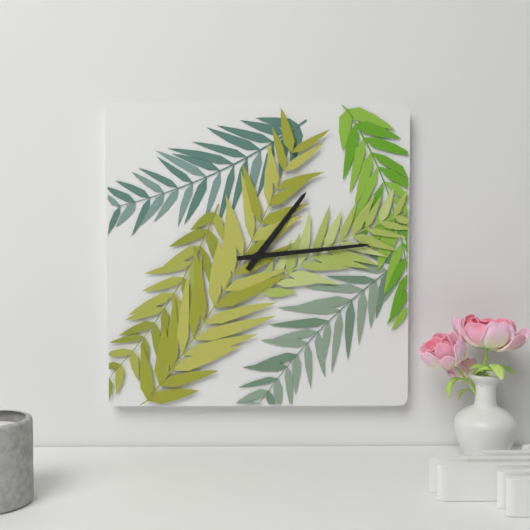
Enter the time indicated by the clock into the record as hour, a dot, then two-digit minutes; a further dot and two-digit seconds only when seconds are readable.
1.14
